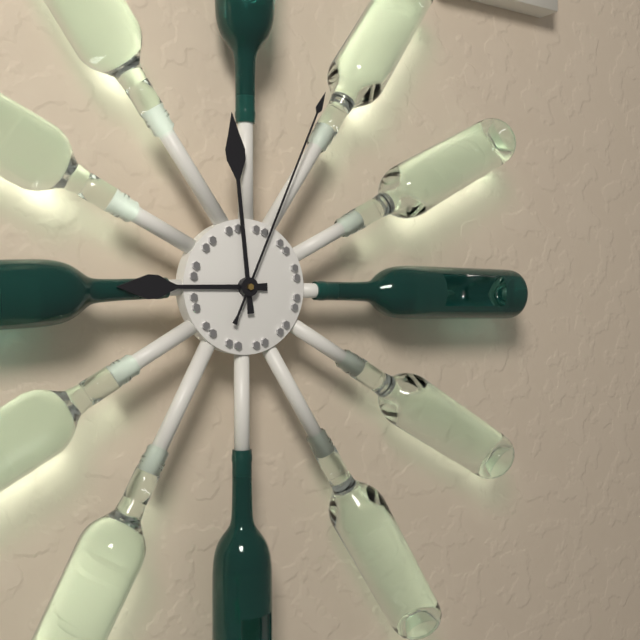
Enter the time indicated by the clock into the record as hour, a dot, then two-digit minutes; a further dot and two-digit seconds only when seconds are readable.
8.59.04
